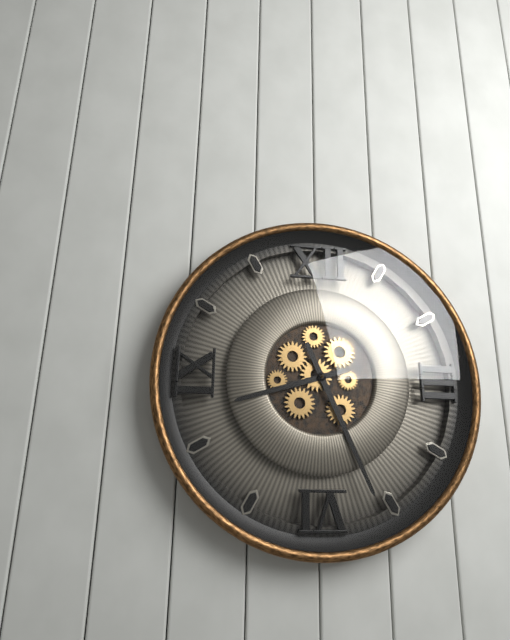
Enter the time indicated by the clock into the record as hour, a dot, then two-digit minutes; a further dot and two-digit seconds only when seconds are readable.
8.26
